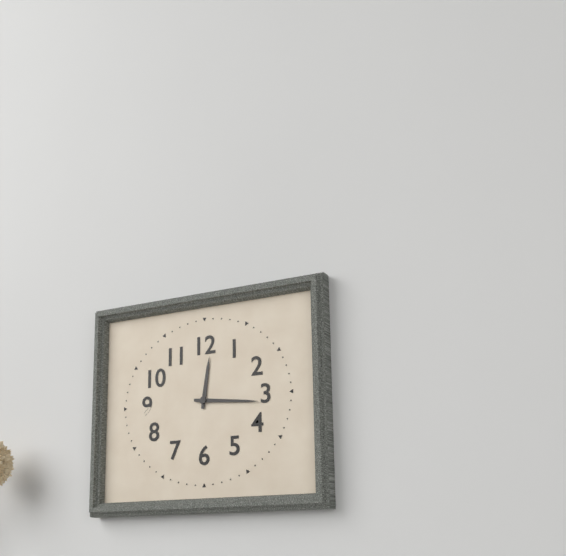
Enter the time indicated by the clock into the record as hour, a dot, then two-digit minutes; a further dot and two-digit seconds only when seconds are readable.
12.16
